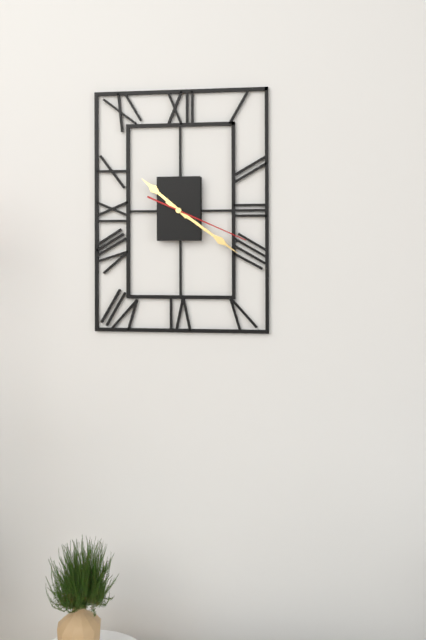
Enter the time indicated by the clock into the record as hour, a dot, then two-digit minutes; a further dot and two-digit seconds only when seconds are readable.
10.21.19
